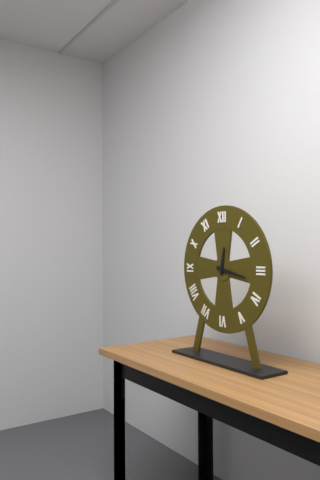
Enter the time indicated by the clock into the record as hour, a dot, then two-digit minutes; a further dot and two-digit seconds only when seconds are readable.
12.17
